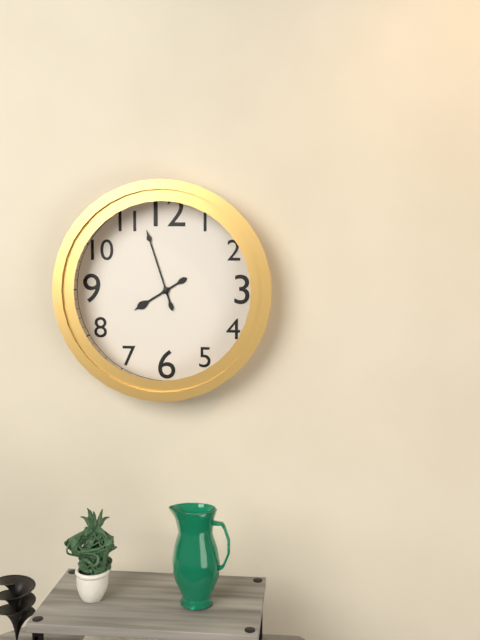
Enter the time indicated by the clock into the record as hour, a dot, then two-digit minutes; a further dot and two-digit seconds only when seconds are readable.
7.57
